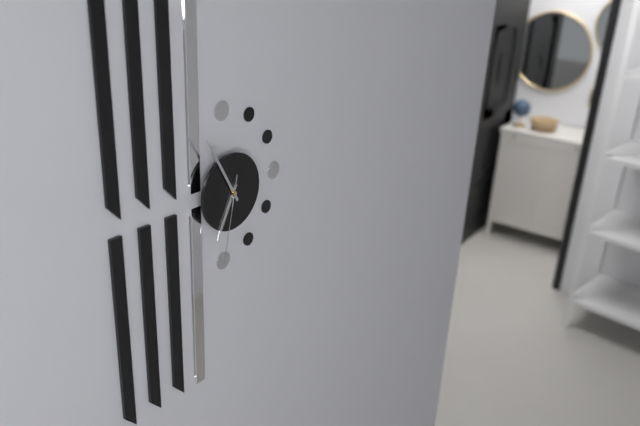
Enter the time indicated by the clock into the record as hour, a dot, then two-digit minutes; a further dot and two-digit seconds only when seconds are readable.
6.55.32
